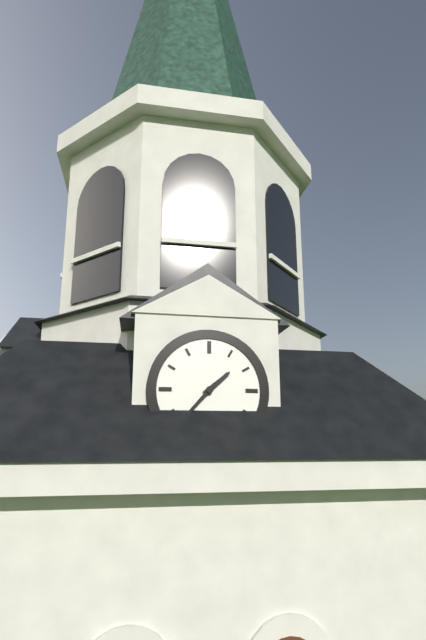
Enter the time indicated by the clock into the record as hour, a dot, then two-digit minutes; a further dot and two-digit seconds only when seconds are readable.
1.37
